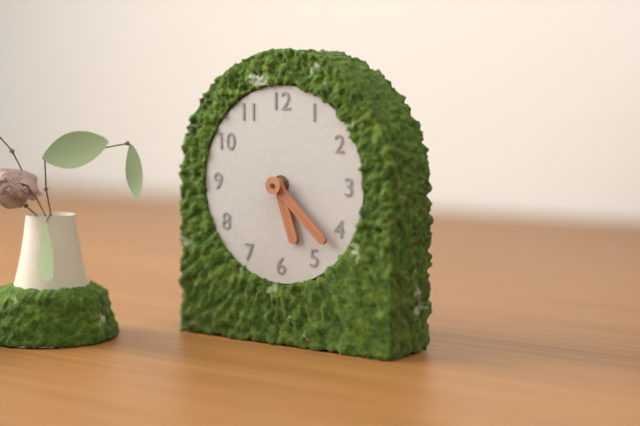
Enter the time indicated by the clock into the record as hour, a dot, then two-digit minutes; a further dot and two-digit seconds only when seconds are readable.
5.22
